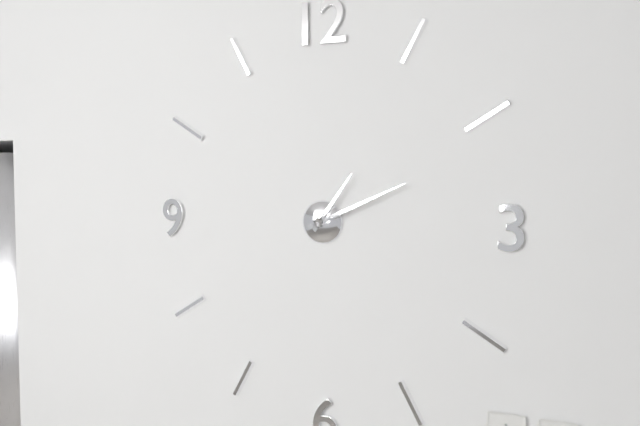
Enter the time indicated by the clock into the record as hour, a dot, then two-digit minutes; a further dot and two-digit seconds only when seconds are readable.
1.11
